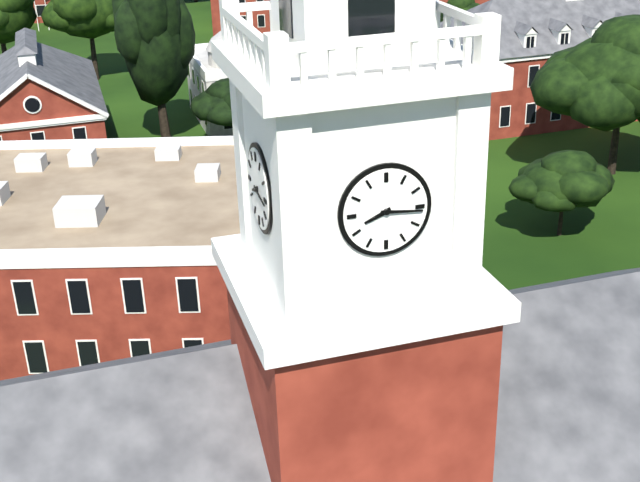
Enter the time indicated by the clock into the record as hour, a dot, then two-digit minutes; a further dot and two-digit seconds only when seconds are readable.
8.16
